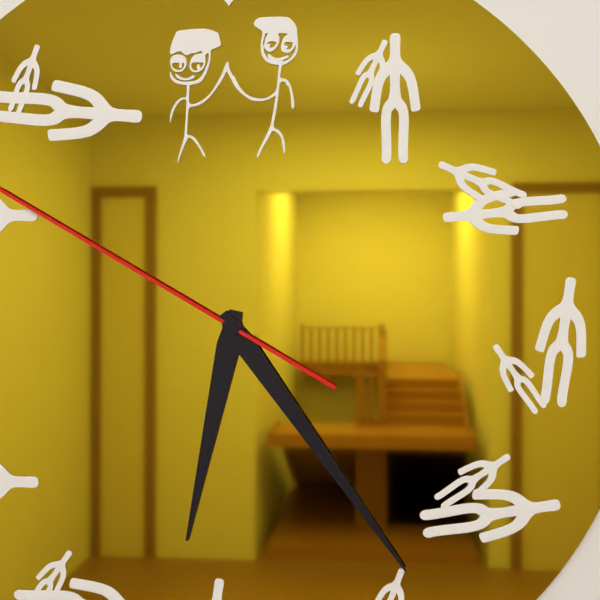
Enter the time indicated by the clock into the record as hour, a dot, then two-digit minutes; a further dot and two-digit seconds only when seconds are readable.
6.24
